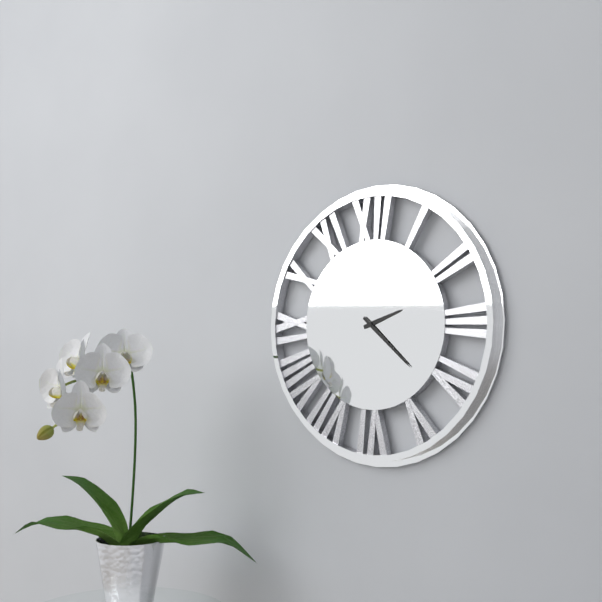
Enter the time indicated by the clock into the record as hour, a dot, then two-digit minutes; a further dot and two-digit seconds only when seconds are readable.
2.22
